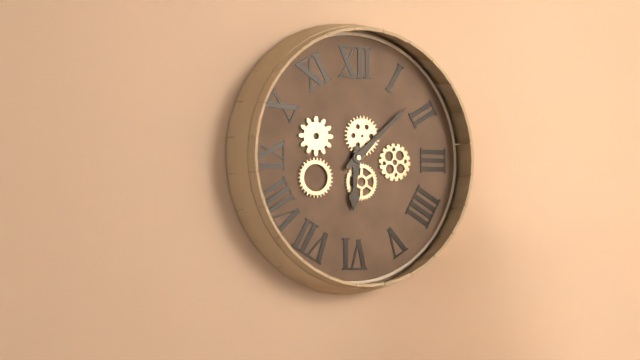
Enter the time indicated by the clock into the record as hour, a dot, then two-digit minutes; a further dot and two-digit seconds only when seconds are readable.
6.08
